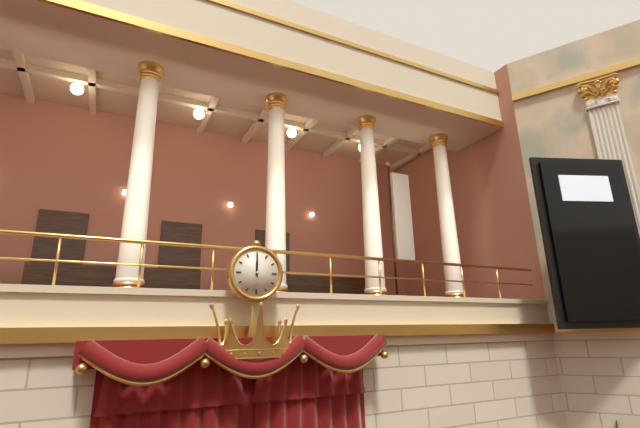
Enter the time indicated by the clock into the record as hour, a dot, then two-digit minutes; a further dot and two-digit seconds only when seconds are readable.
12.00
